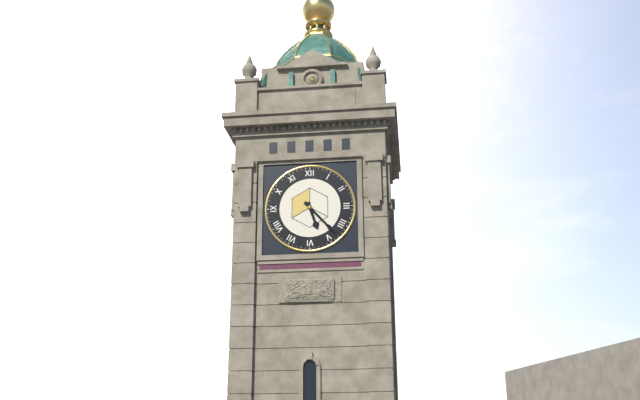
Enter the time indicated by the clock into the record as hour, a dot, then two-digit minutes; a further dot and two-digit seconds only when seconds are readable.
5.23
